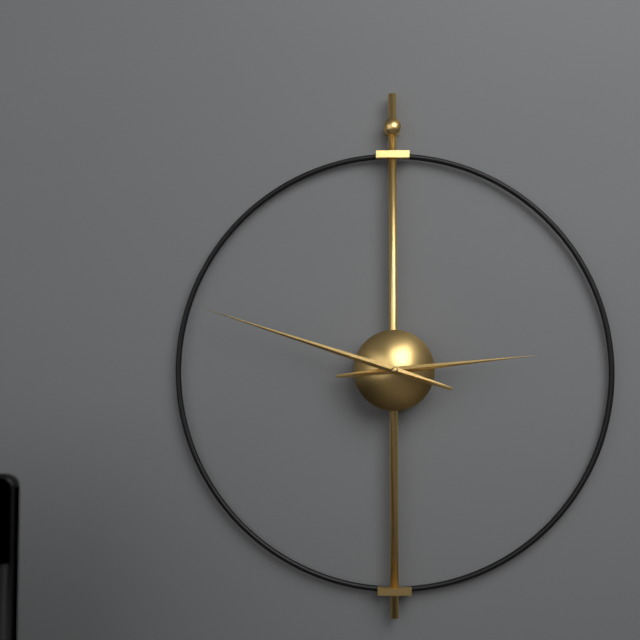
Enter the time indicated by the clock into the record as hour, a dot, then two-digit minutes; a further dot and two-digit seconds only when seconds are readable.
2.48
